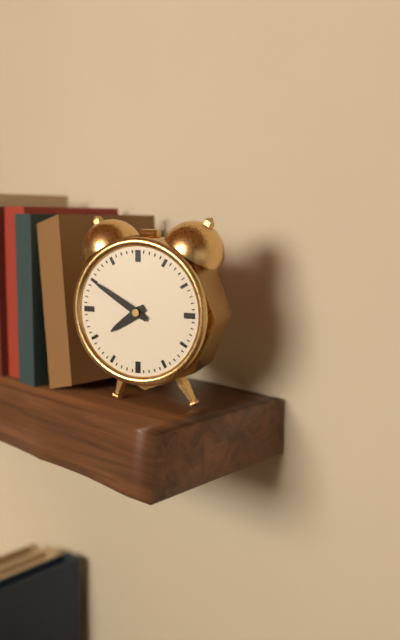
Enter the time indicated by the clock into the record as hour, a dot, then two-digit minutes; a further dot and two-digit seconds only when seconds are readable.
7.50
